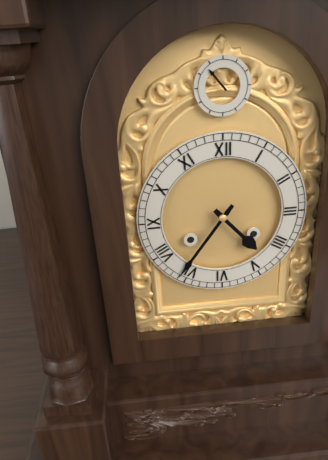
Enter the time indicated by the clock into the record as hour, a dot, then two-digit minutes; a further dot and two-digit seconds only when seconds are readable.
4.36
